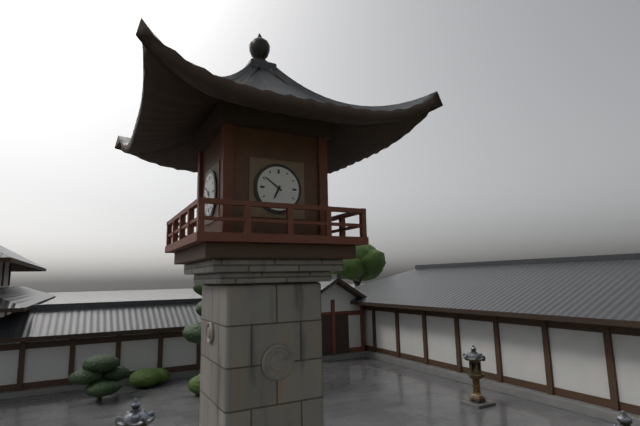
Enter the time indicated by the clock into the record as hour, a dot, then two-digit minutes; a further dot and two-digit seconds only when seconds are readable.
6.51
